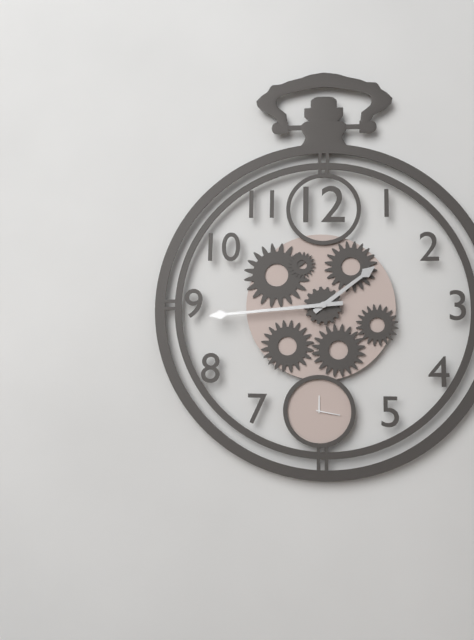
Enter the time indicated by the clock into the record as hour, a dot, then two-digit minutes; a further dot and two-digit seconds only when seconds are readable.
1.44
